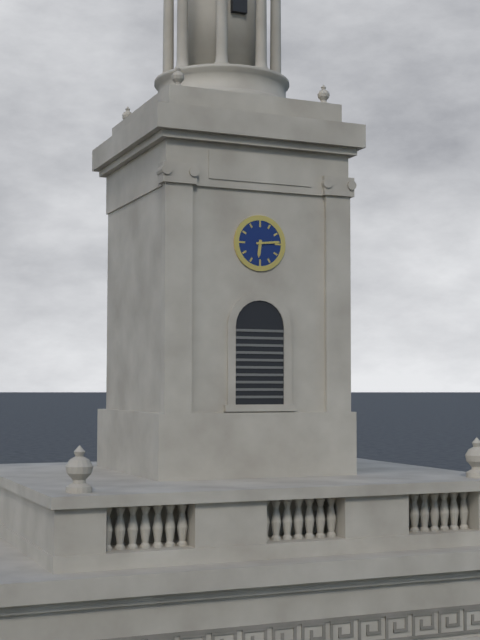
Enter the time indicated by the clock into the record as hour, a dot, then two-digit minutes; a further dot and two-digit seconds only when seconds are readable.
6.14
